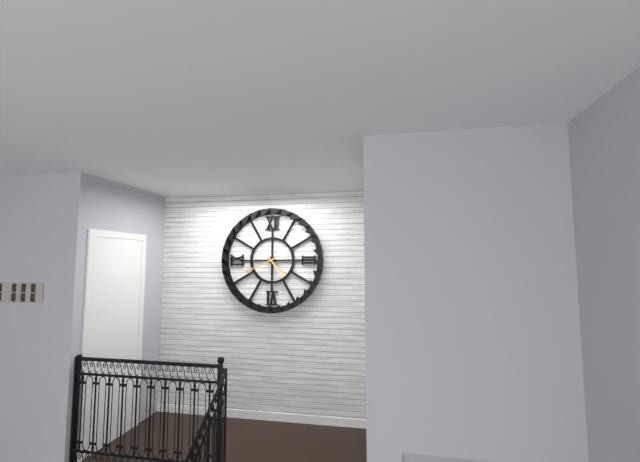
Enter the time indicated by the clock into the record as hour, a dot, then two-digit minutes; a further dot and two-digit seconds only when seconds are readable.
4.41
